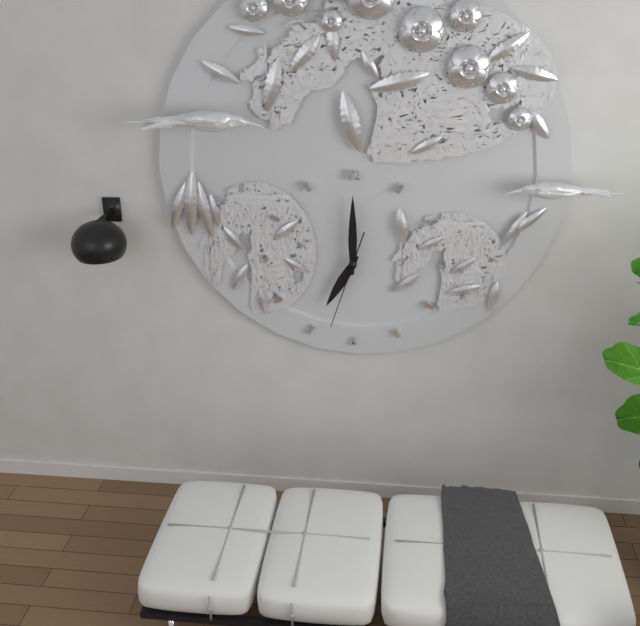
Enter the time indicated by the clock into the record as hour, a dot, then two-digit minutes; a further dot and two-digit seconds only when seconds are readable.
7.00.33
